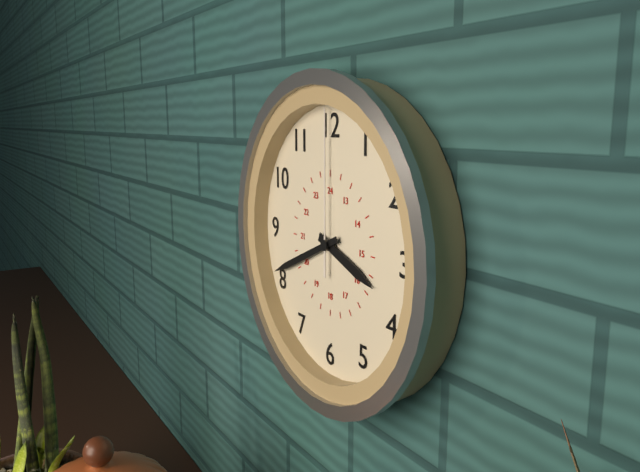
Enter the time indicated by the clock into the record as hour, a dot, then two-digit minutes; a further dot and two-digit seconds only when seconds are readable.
3.41.00
